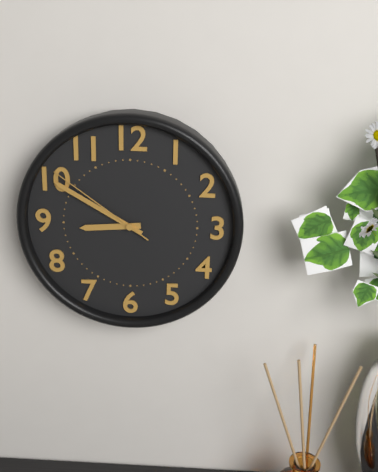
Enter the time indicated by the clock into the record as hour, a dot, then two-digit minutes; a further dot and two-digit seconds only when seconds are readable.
8.50.51
